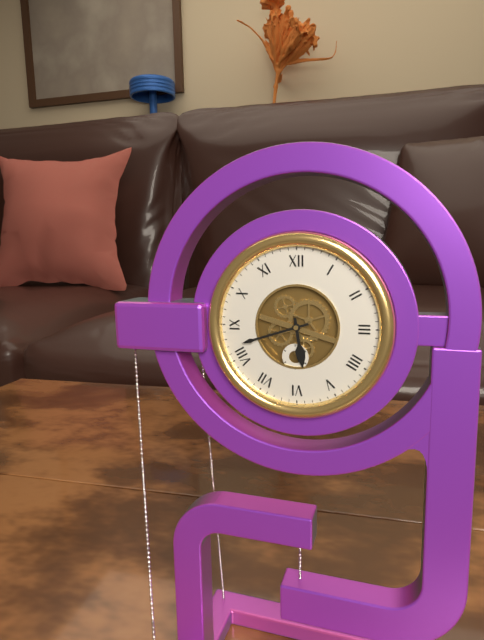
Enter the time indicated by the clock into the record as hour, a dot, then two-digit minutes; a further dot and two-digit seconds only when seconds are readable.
5.42
